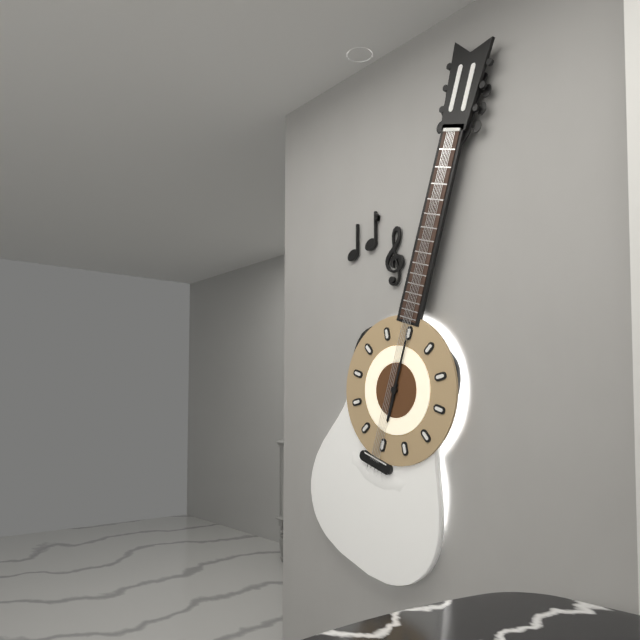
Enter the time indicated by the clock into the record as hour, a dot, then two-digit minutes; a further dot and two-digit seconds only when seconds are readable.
6.00
